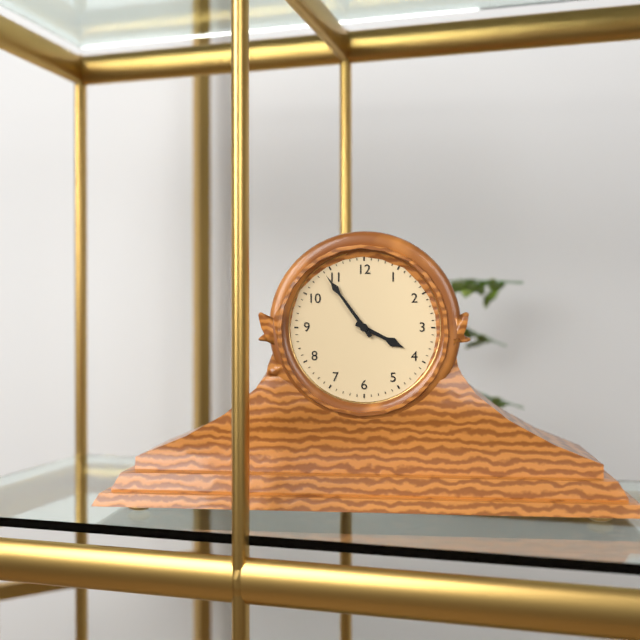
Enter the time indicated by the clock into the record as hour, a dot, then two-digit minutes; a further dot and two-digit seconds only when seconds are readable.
3.54
